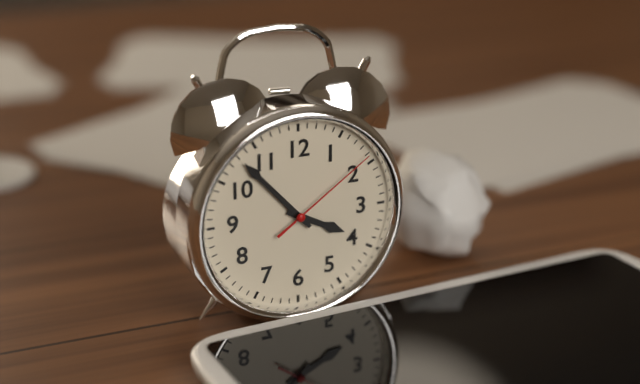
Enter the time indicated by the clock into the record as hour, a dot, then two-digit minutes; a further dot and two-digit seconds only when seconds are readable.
3.53.09
